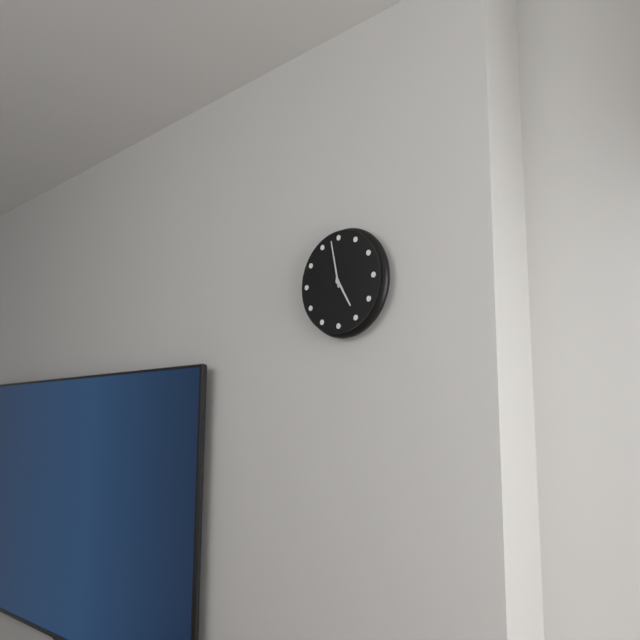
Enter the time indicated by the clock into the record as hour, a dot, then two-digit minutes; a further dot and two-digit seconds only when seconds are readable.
4.58
